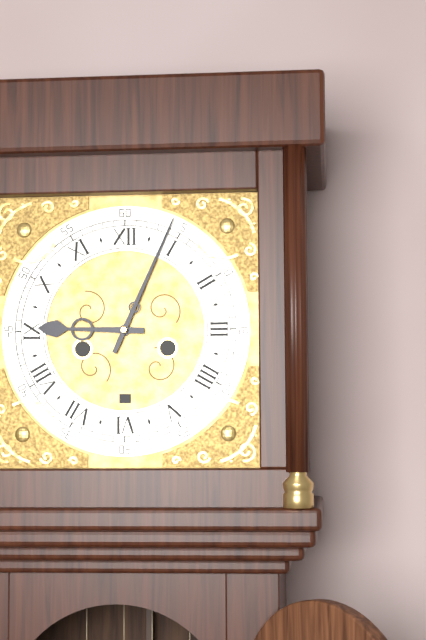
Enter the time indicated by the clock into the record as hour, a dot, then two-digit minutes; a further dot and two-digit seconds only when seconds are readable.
9.04
